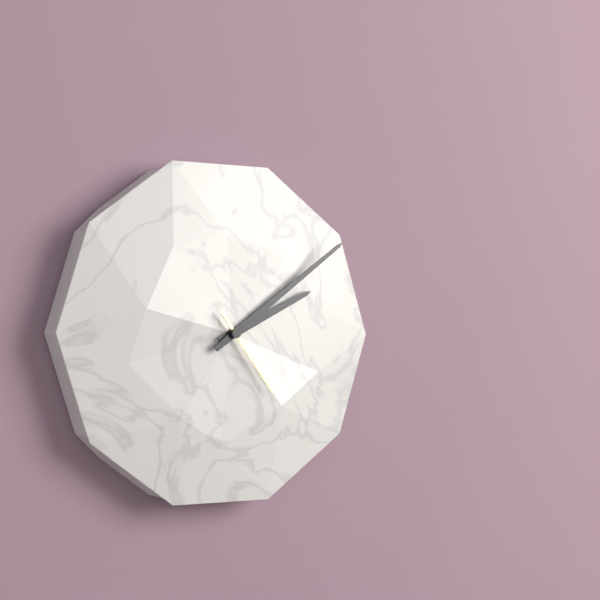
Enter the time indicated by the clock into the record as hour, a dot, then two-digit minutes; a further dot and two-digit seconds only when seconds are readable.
2.09.24
